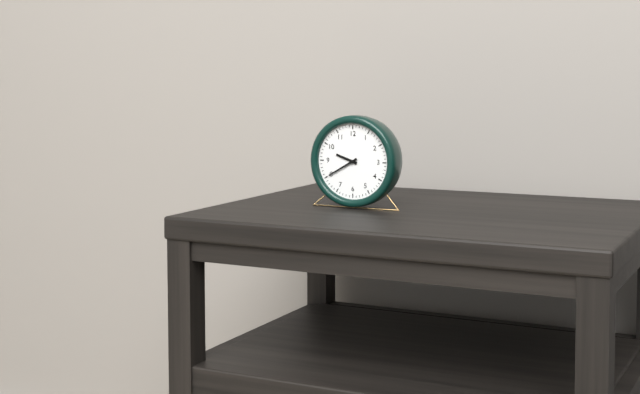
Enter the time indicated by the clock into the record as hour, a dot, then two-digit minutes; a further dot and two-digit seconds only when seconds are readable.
9.40
